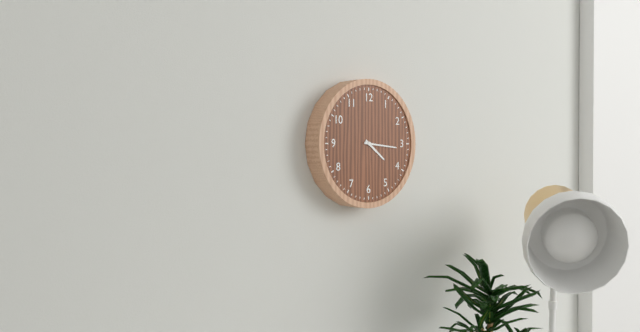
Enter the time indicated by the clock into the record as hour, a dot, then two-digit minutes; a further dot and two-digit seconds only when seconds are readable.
4.16
